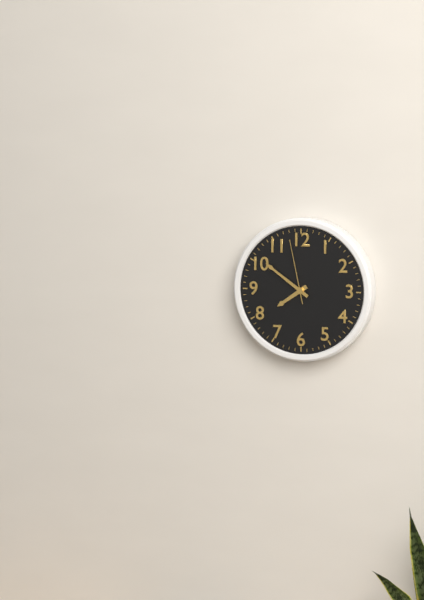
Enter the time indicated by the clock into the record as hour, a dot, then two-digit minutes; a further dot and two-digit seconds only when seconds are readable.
7.51.58
